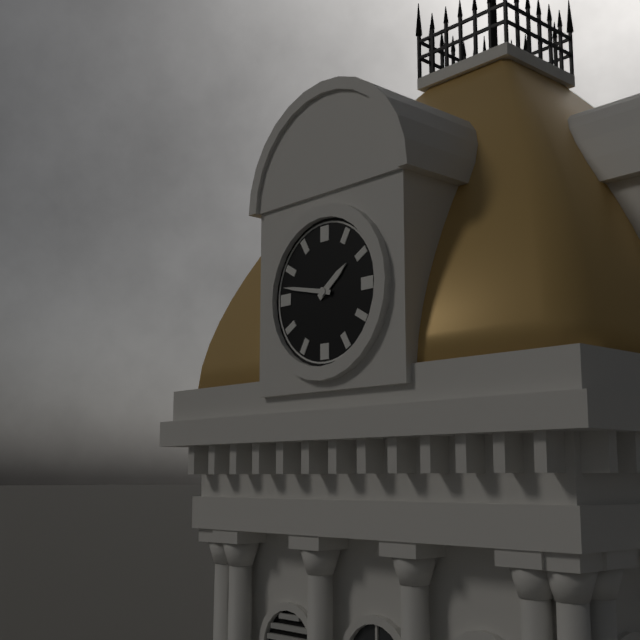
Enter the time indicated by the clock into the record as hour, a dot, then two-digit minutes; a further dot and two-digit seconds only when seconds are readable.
1.47
